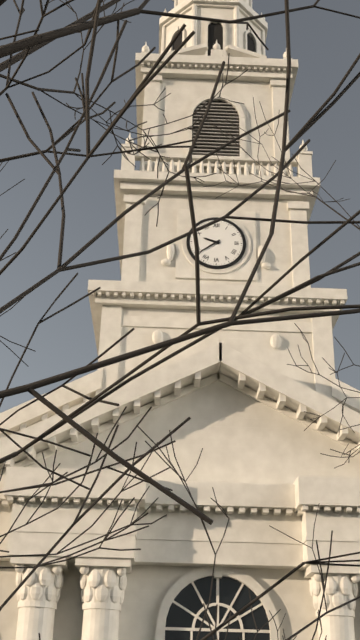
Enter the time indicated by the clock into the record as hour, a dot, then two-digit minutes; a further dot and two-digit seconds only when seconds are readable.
9.39
